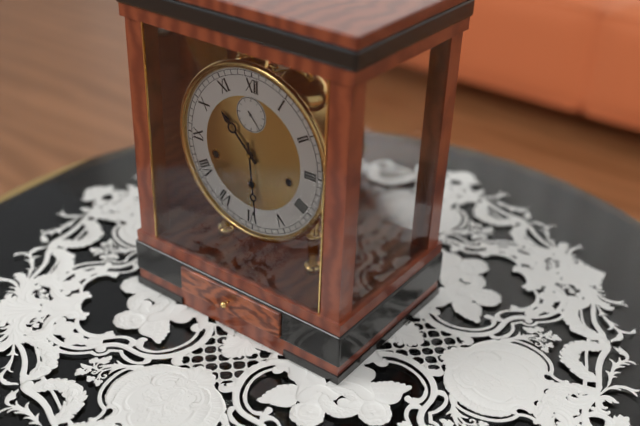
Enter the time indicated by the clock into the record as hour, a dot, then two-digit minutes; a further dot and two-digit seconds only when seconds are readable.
10.29
